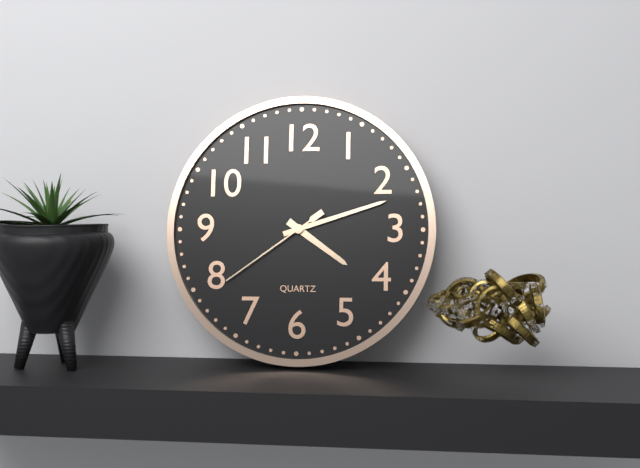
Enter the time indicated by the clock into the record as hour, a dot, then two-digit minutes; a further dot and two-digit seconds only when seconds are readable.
4.12.39
